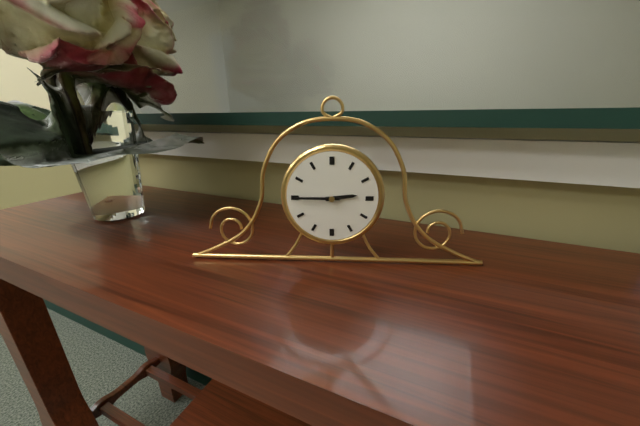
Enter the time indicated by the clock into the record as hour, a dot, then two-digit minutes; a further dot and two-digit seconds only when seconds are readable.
2.45
